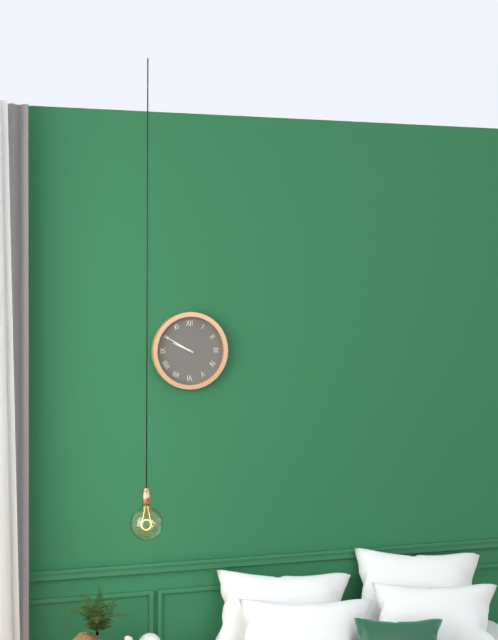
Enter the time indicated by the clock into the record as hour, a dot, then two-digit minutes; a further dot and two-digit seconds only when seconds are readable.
9.50
